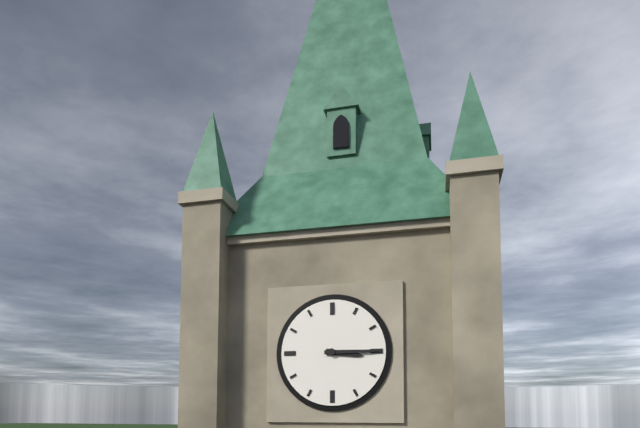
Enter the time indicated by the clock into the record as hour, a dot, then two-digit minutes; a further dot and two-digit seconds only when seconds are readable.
3.15
